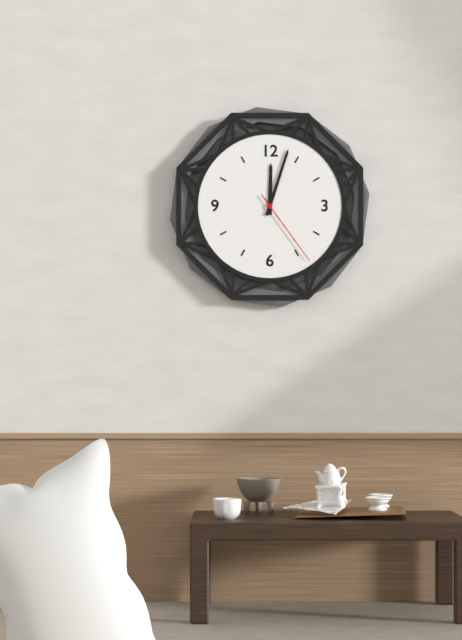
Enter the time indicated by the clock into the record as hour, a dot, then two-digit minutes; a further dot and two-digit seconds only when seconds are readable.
12.03.24
